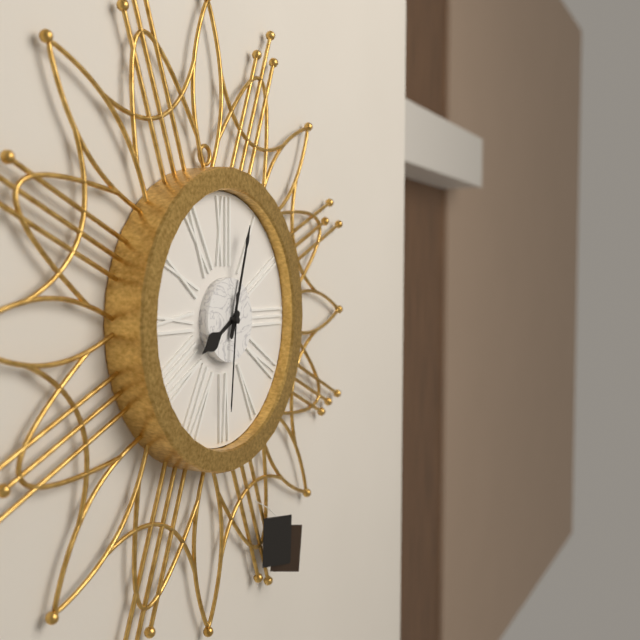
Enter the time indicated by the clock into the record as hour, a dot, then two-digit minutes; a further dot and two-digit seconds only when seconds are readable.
8.03.31
